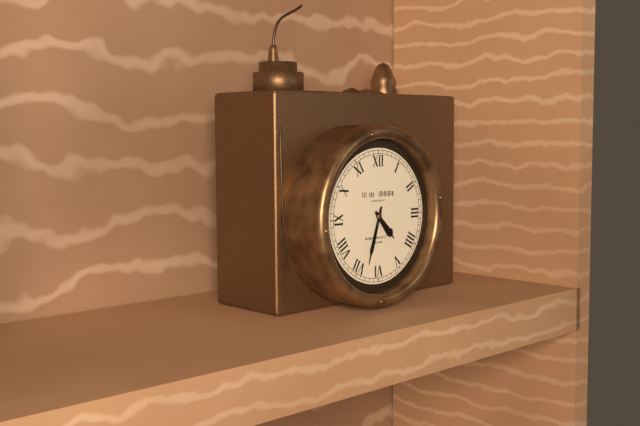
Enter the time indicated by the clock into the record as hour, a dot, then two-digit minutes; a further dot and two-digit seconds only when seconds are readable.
4.33
